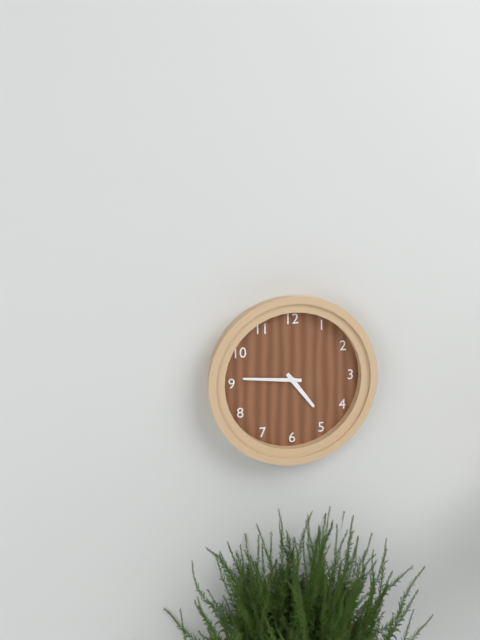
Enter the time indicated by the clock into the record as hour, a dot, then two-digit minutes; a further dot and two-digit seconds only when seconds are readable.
4.46
